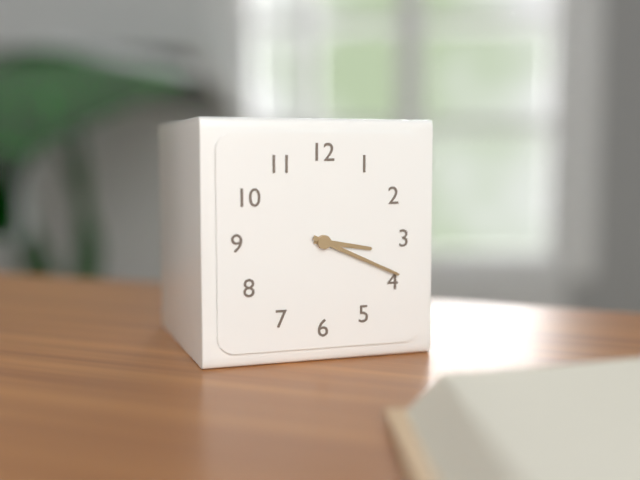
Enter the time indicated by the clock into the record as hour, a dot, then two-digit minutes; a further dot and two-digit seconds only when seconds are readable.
3.19
